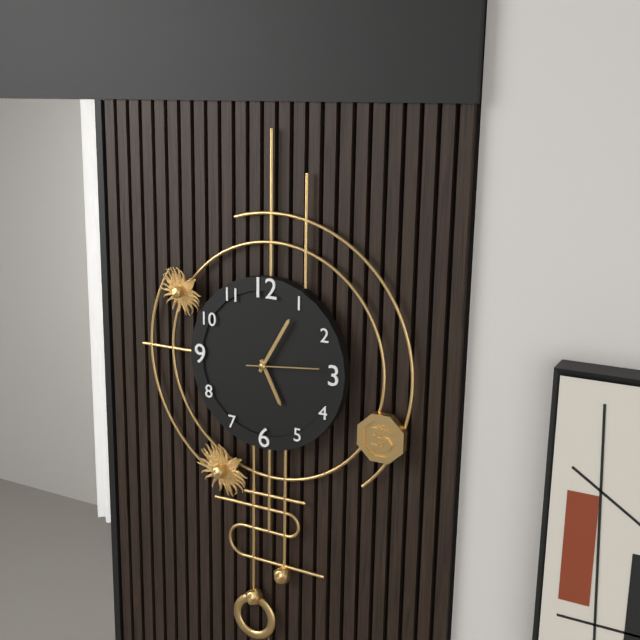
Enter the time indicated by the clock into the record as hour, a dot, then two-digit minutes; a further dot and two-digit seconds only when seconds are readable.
5.05.14
